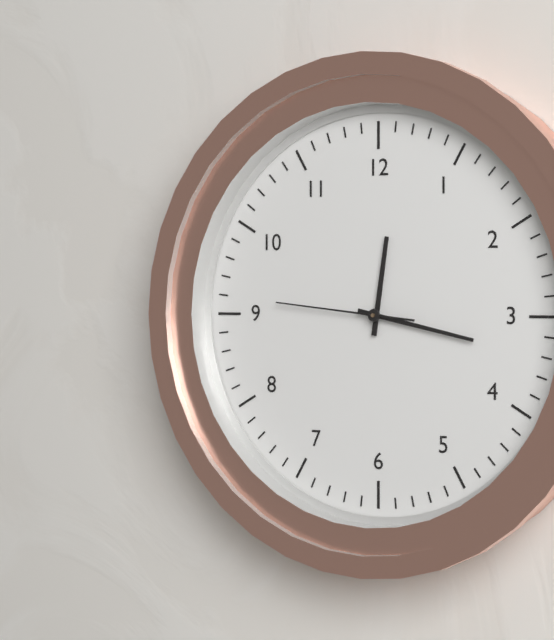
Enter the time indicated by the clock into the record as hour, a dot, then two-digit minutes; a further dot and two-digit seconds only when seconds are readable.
12.17.46
